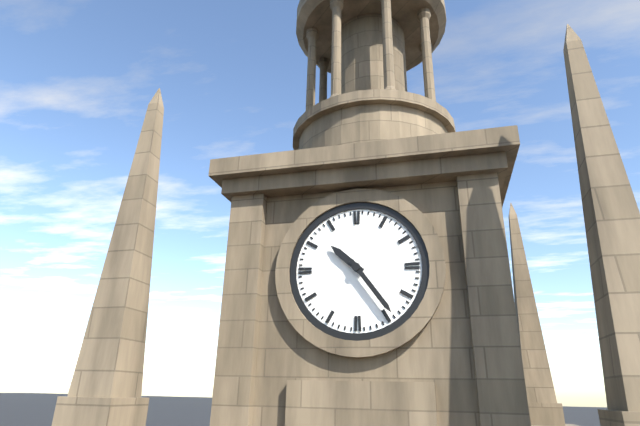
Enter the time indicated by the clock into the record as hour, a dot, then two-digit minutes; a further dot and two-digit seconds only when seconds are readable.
10.24
